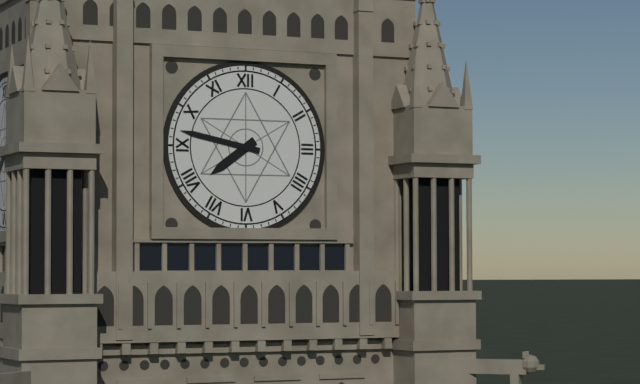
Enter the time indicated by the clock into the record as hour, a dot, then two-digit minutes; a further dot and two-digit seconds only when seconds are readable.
7.47
